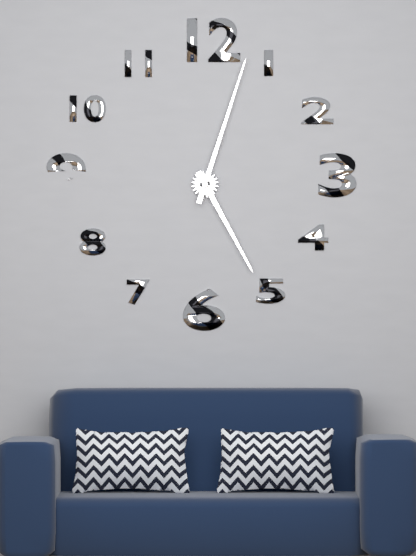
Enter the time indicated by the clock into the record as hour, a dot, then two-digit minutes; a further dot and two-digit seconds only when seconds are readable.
5.03
